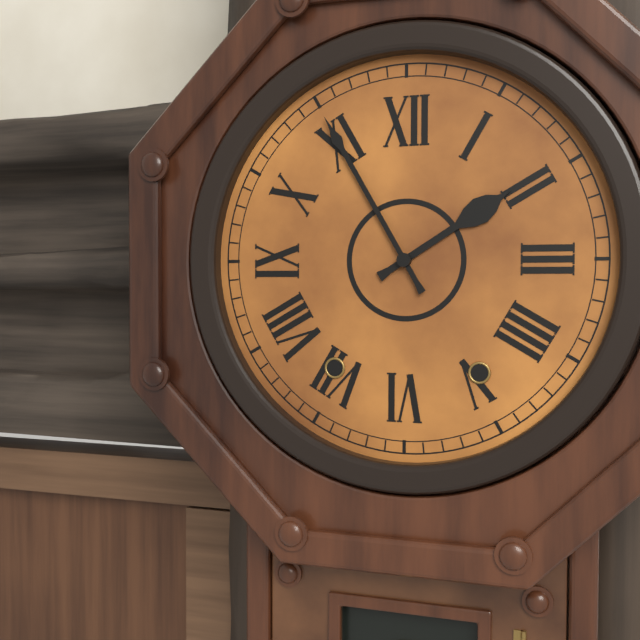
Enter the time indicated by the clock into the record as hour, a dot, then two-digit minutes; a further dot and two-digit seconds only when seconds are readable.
1.55
